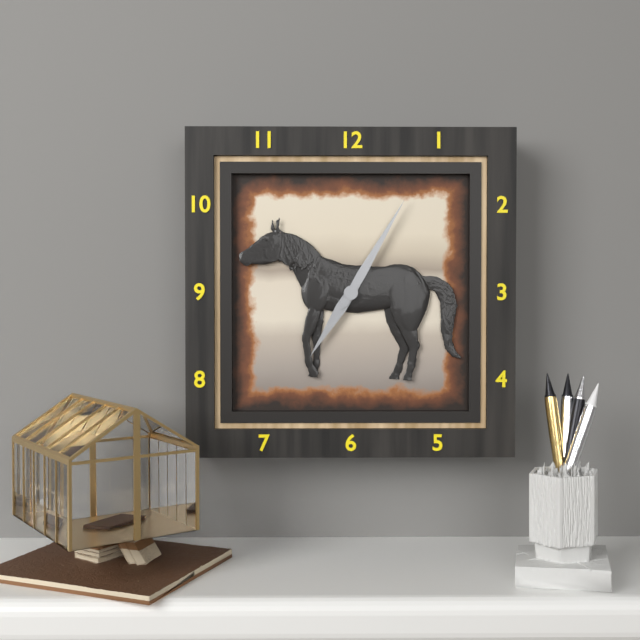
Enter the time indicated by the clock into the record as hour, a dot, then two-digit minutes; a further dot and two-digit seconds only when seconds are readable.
7.05
